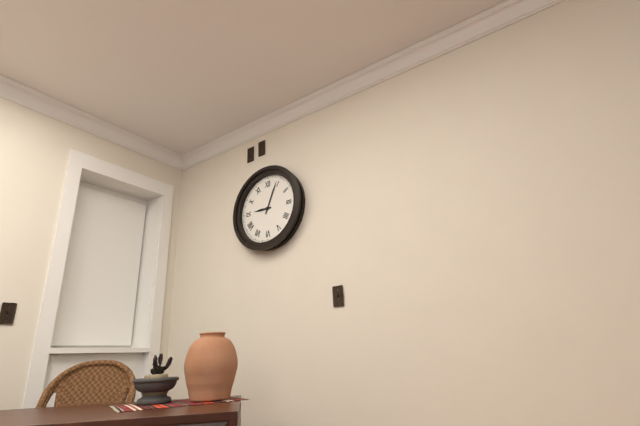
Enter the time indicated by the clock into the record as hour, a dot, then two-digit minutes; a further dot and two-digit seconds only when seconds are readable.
9.04
